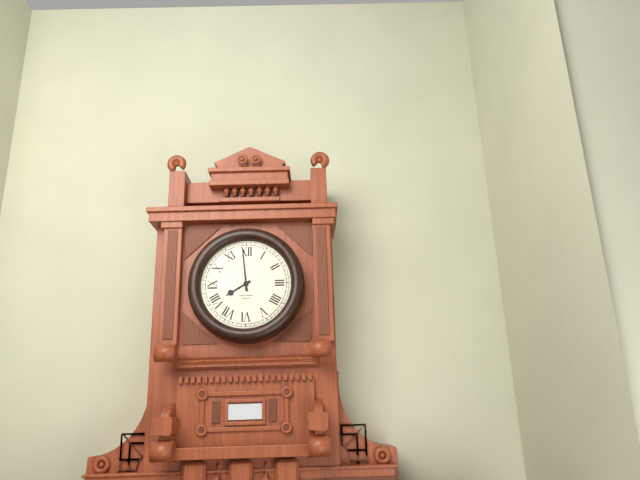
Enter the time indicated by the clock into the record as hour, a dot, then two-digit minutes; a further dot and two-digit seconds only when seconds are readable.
7.59
